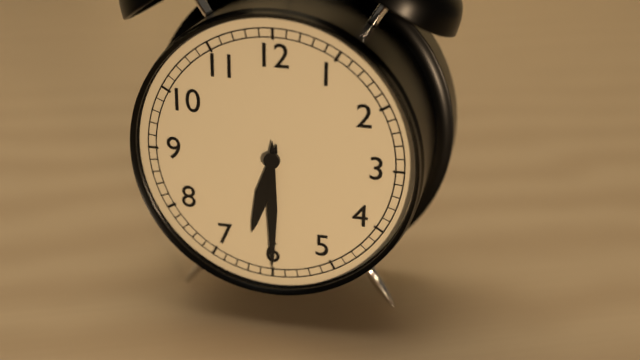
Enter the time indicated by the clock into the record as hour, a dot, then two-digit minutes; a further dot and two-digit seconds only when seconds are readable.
6.30
